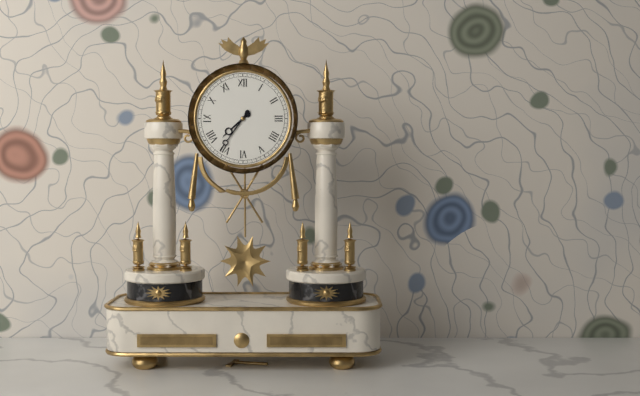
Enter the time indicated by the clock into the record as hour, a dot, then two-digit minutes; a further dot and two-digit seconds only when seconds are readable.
7.36
